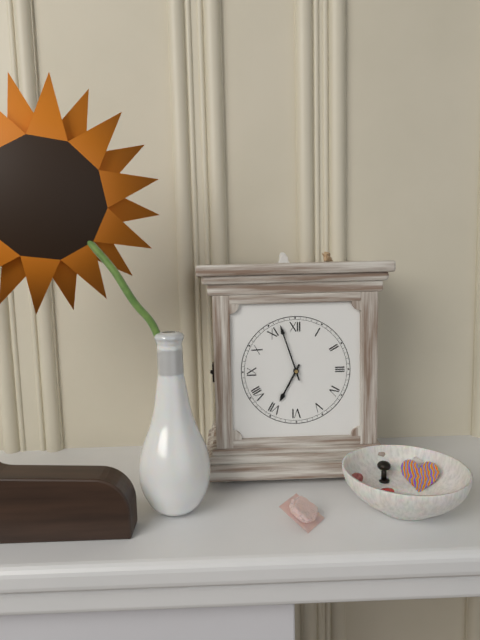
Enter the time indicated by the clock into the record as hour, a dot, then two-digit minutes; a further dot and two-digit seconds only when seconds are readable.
6.57
